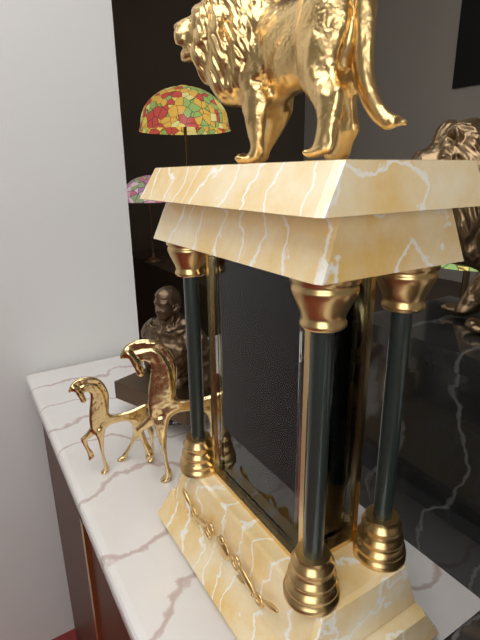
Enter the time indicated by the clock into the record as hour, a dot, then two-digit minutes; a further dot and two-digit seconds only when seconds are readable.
2.30
